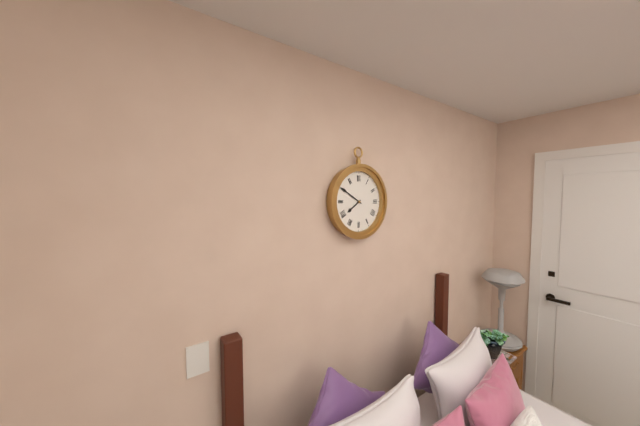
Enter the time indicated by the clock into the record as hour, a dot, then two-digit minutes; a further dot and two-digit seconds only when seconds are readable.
7.50
